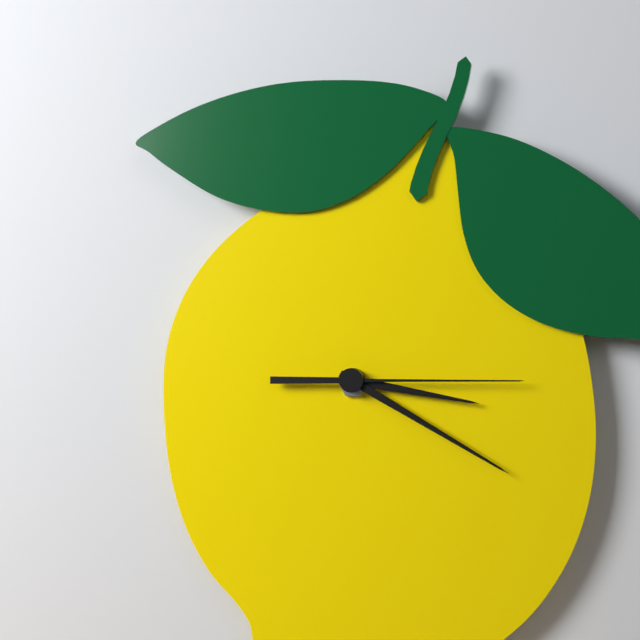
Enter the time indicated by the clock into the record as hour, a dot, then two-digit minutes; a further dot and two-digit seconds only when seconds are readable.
3.20.15
